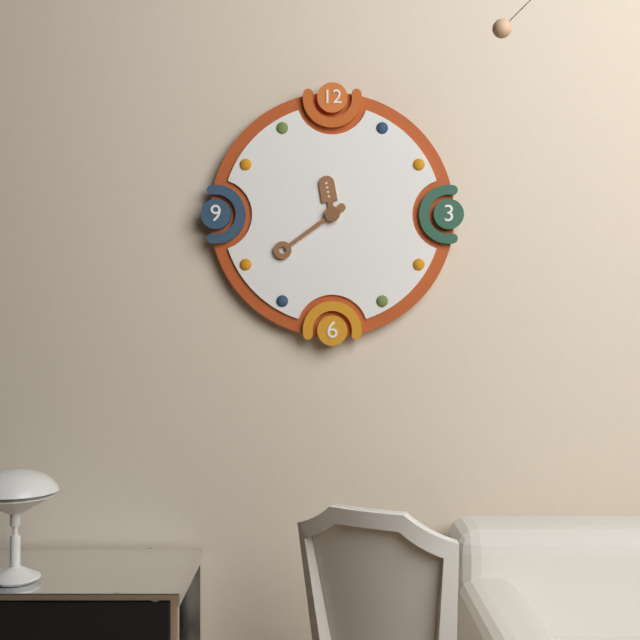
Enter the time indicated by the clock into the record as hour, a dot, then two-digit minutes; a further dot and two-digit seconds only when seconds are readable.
11.39
